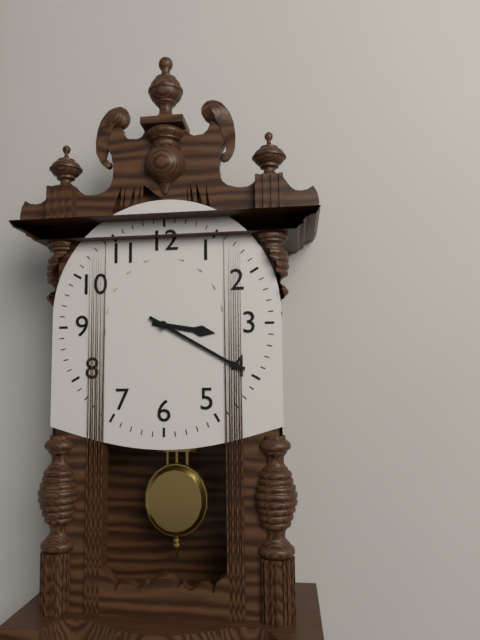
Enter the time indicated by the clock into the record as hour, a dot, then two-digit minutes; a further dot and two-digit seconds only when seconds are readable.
3.20
